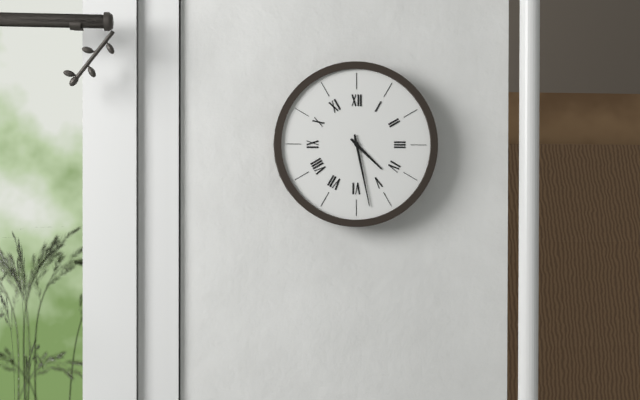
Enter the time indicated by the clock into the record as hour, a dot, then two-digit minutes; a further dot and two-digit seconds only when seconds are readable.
4.28
